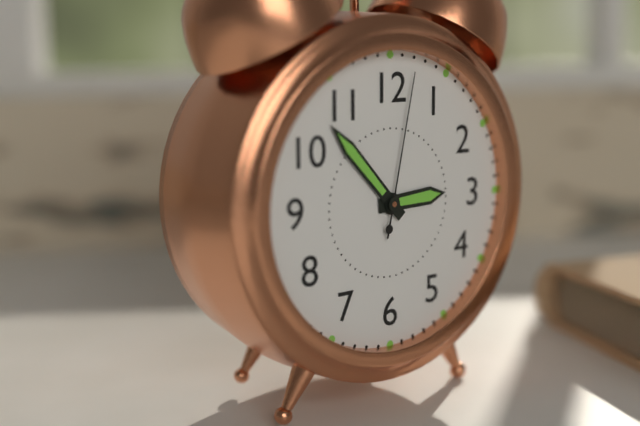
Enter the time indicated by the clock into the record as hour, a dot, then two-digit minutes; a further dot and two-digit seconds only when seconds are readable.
2.53.02
